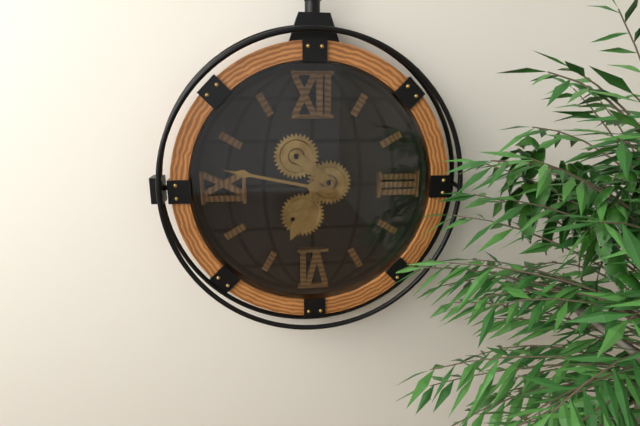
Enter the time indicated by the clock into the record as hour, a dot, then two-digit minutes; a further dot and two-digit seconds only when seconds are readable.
6.47
